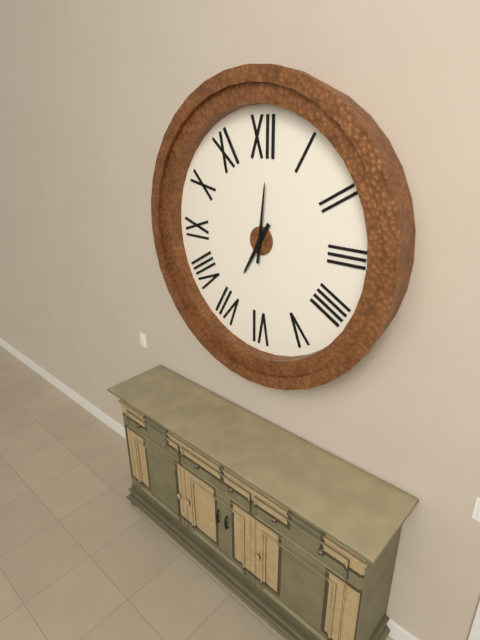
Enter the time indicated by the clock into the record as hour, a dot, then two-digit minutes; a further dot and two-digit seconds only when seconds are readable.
7.01
